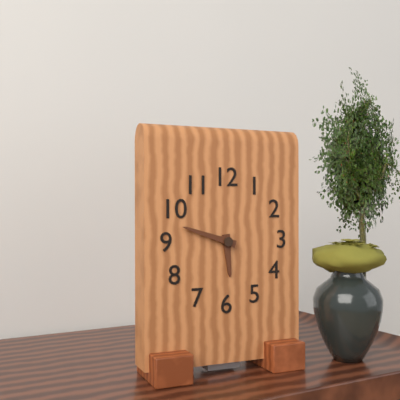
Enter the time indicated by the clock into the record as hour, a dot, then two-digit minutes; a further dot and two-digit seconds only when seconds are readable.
5.48
